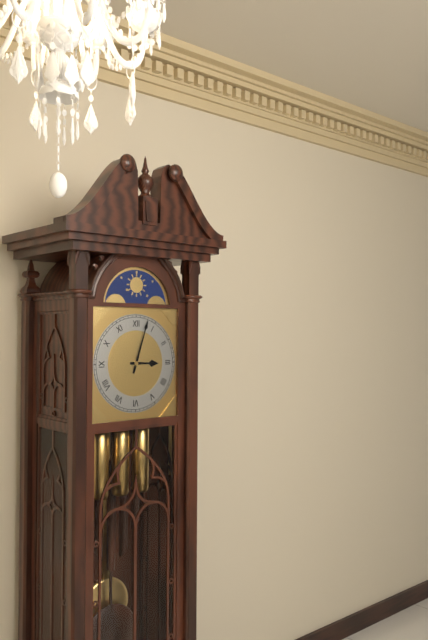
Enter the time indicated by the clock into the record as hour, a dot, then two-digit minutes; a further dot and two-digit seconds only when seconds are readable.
3.03
